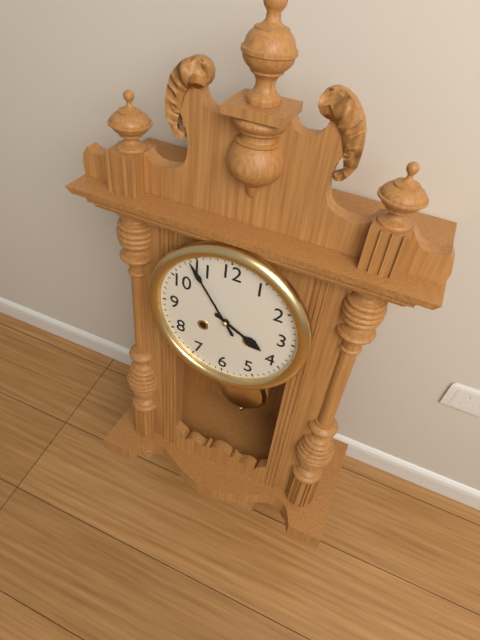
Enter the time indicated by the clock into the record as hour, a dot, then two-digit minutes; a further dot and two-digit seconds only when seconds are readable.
3.54
